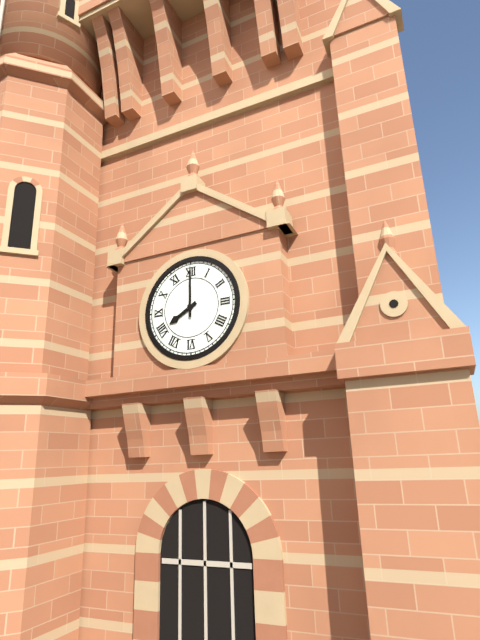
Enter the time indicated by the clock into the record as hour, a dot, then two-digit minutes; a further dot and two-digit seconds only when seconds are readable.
8.00
